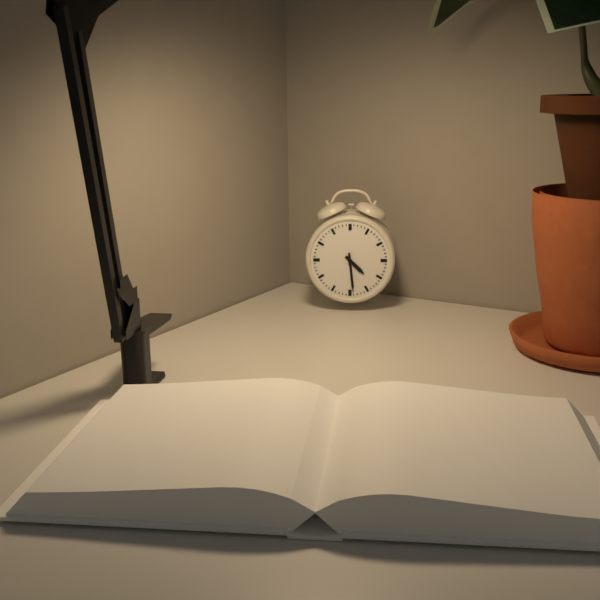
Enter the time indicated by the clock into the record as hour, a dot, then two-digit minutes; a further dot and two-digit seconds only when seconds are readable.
4.29
